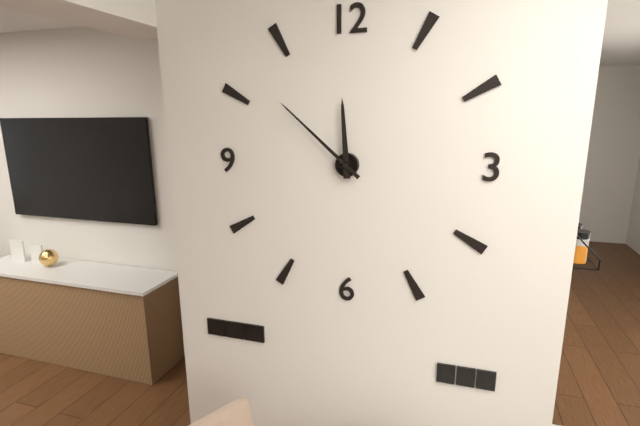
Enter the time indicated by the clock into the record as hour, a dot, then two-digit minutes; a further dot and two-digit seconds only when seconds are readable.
11.52
